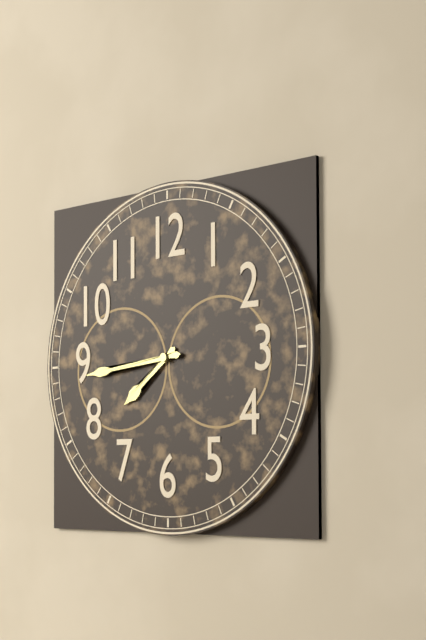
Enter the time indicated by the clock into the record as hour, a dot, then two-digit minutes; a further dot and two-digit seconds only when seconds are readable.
7.44
